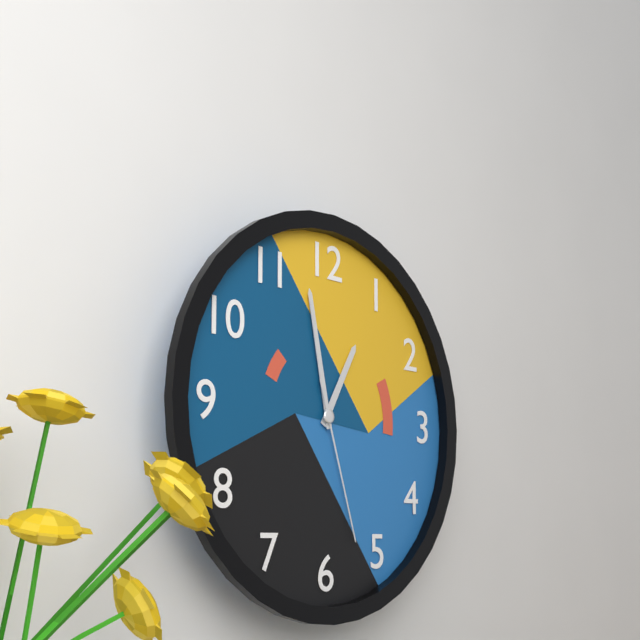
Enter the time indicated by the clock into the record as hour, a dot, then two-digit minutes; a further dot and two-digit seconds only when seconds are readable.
12.58.27
